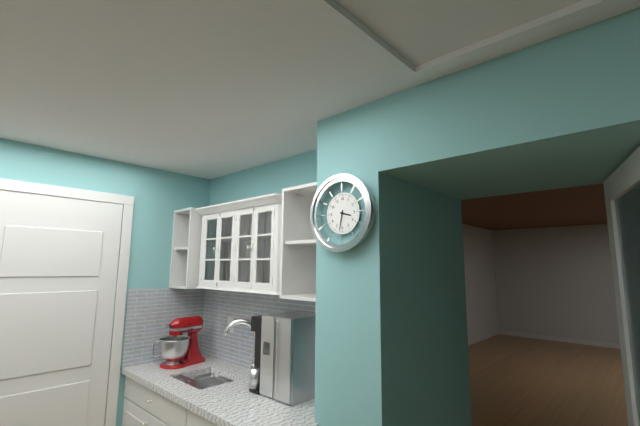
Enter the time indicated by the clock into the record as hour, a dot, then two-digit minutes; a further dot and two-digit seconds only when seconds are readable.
3.32
